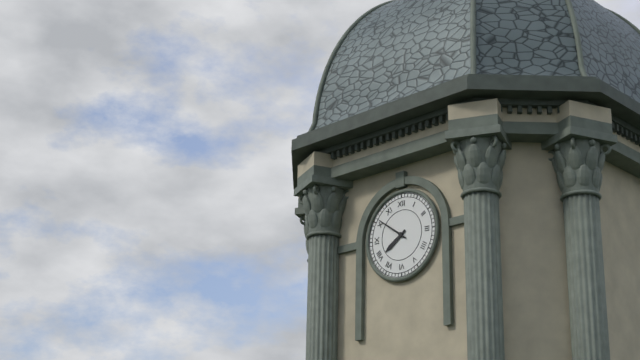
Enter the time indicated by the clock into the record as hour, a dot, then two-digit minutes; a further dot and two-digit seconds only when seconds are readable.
7.51
